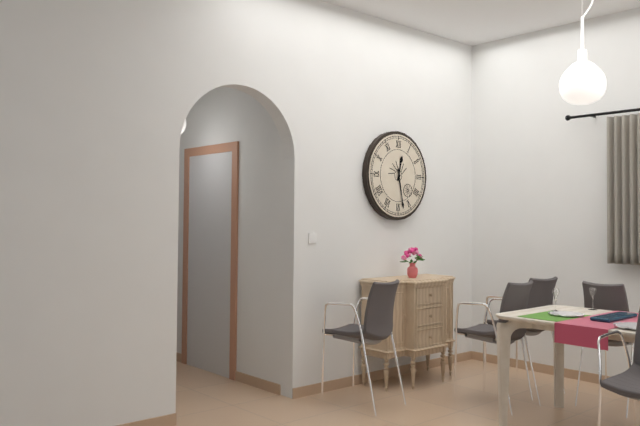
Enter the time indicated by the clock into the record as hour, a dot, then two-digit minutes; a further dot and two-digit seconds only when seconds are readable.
12.28
